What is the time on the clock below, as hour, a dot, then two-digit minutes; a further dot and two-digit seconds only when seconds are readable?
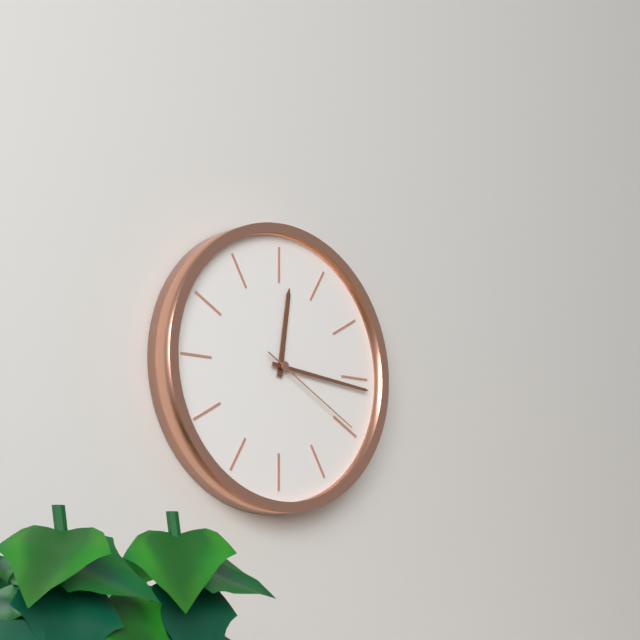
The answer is 12.16.20
